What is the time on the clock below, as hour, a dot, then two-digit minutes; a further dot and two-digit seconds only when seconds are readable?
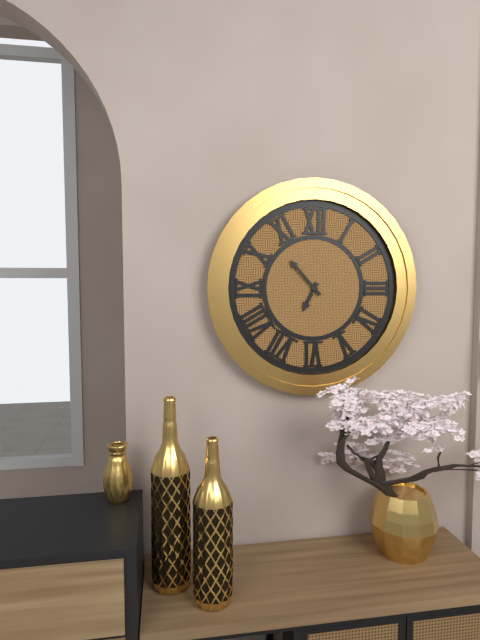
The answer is 6.53
